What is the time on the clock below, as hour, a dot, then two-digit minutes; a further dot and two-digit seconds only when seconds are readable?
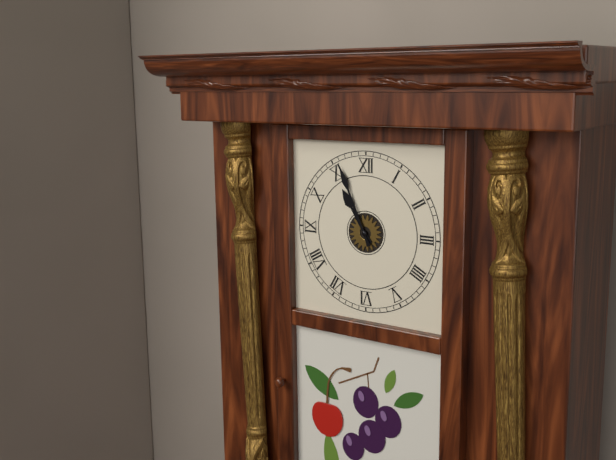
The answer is 10.56
